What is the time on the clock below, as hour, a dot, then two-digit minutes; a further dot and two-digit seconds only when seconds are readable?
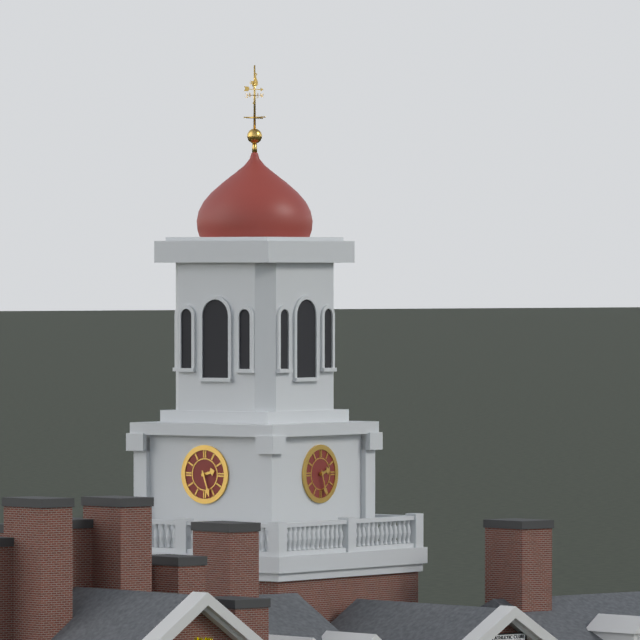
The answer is 2.27
